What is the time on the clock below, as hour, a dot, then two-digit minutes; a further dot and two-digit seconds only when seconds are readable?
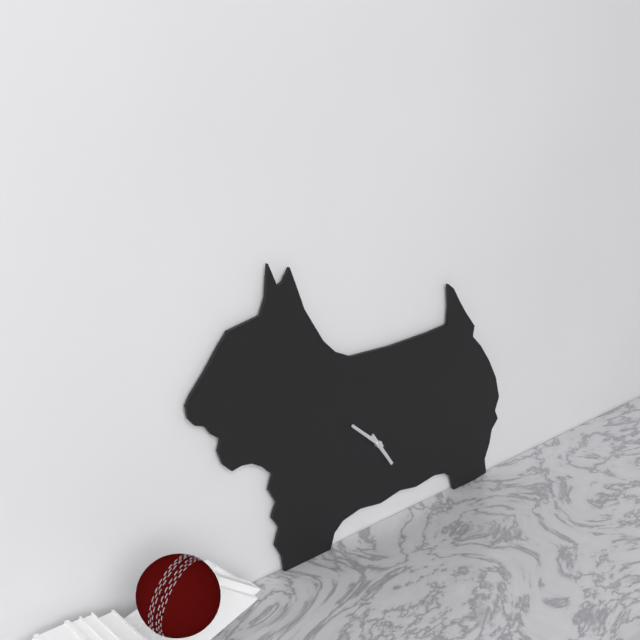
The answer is 4.52
